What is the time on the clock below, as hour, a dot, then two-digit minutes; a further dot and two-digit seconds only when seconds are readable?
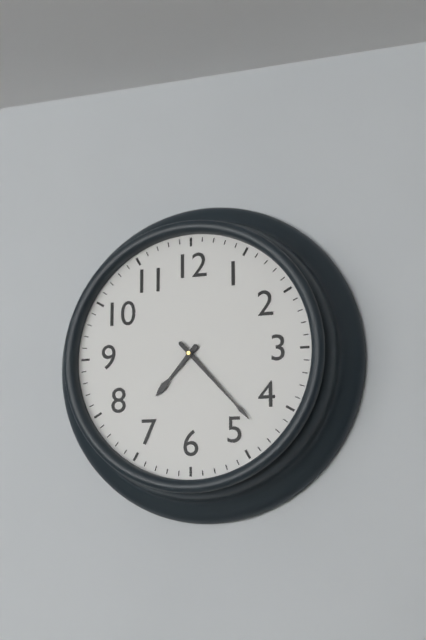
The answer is 7.23
